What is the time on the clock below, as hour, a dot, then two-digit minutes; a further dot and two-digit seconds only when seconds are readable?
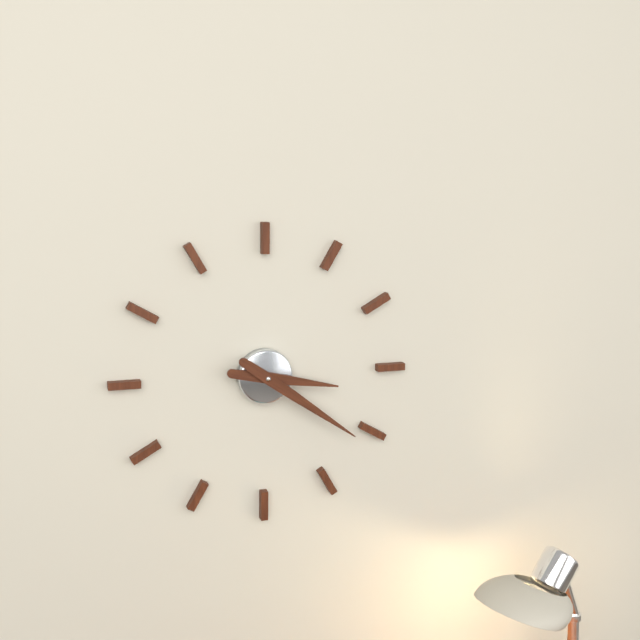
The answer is 3.21
